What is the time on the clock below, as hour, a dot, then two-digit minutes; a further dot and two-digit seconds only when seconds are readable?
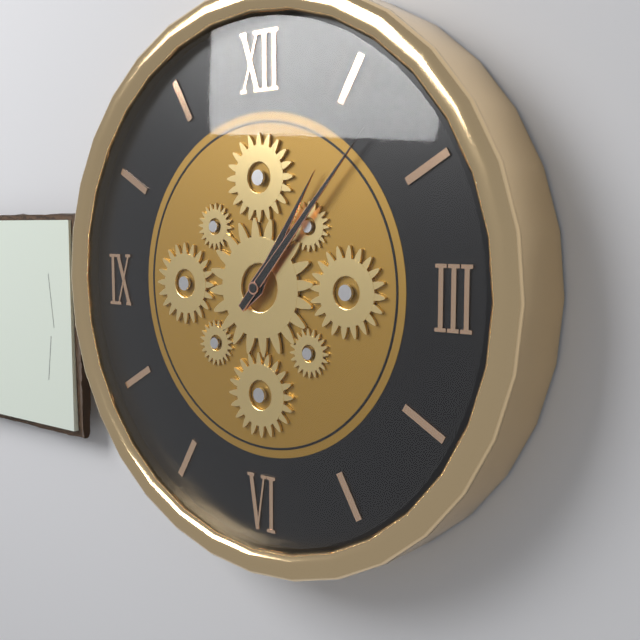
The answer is 1.07
